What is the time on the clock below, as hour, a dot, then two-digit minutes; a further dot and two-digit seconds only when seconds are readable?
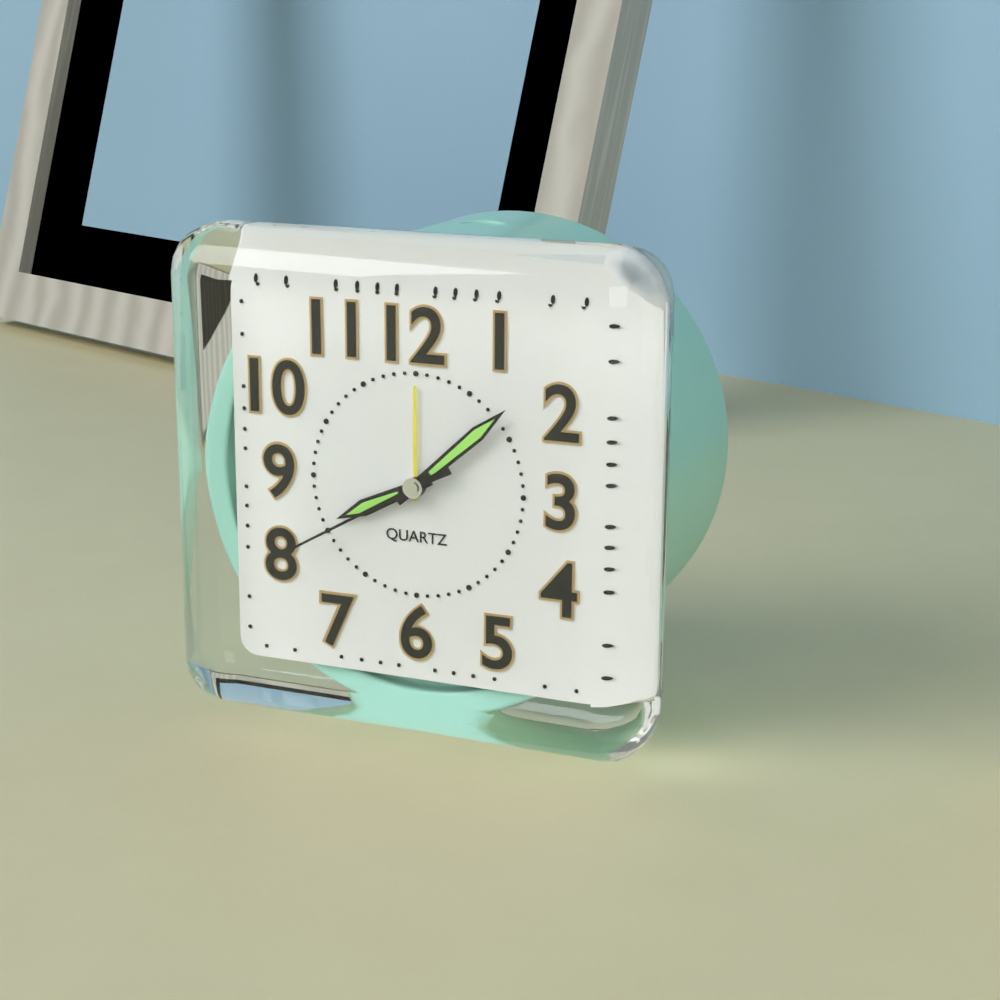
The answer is 8.08.40
